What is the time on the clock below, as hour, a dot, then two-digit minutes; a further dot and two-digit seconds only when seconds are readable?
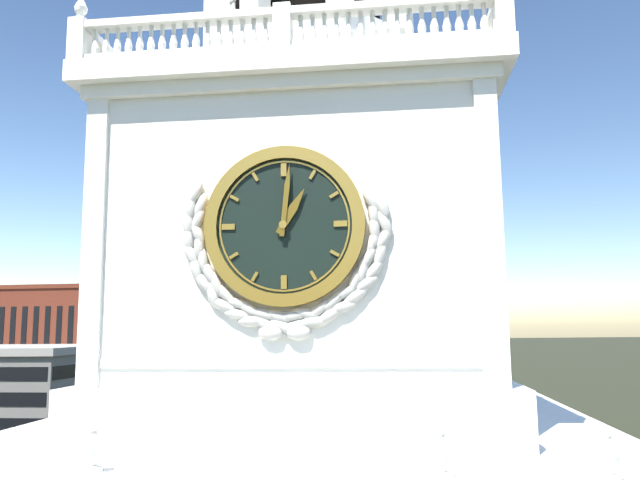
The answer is 1.01
